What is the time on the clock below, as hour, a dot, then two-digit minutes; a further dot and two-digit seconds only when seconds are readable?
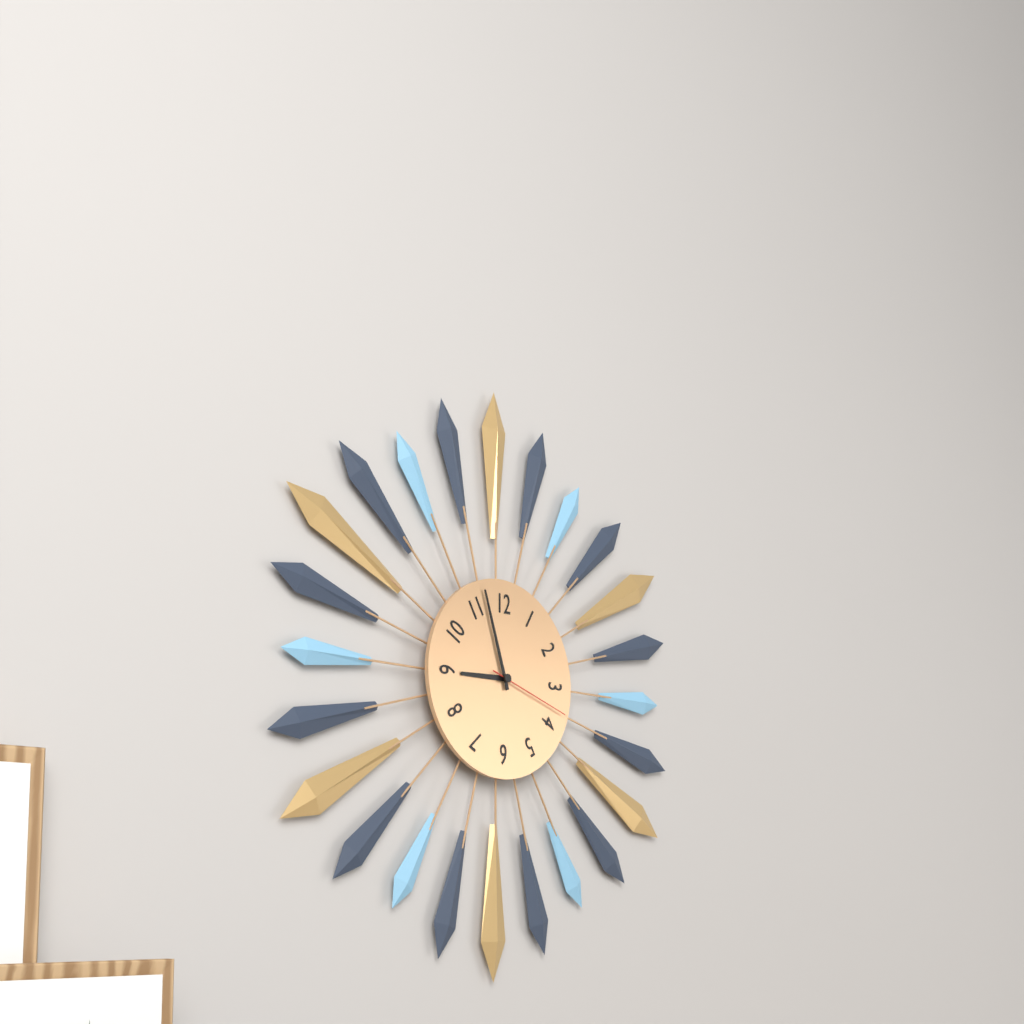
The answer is 8.57.18
